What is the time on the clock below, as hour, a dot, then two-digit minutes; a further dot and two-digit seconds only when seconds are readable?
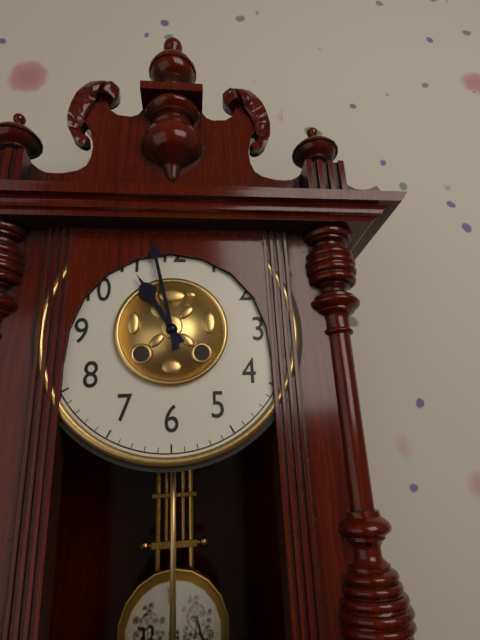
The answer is 10.58
